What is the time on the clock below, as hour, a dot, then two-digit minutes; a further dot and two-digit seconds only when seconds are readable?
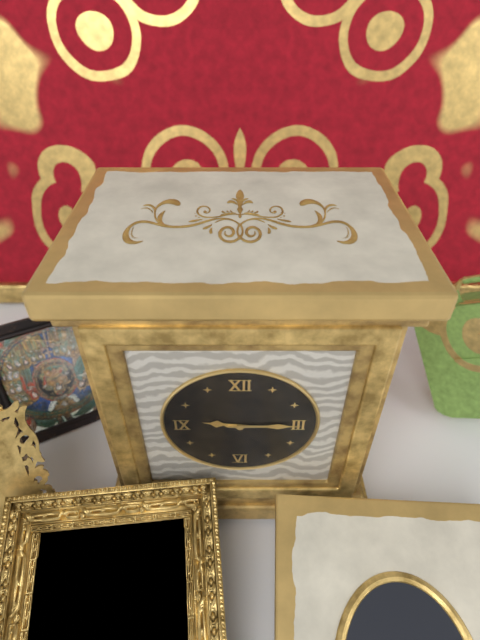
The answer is 9.15
